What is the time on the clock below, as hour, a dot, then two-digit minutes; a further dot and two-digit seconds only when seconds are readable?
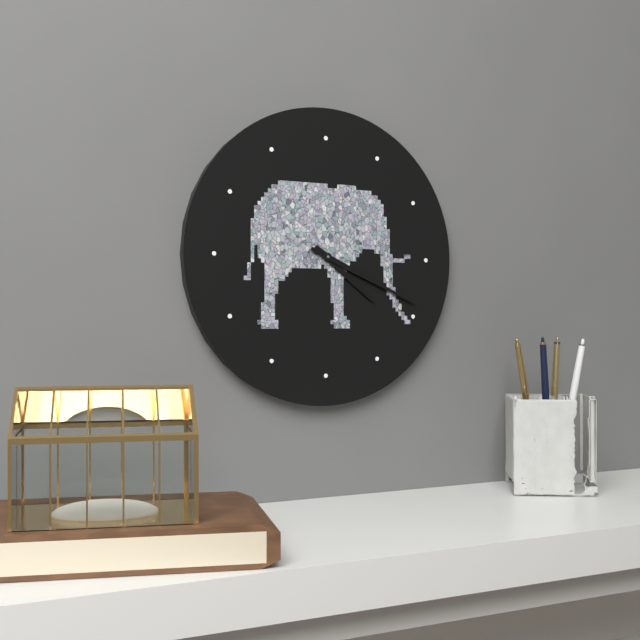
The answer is 4.19
